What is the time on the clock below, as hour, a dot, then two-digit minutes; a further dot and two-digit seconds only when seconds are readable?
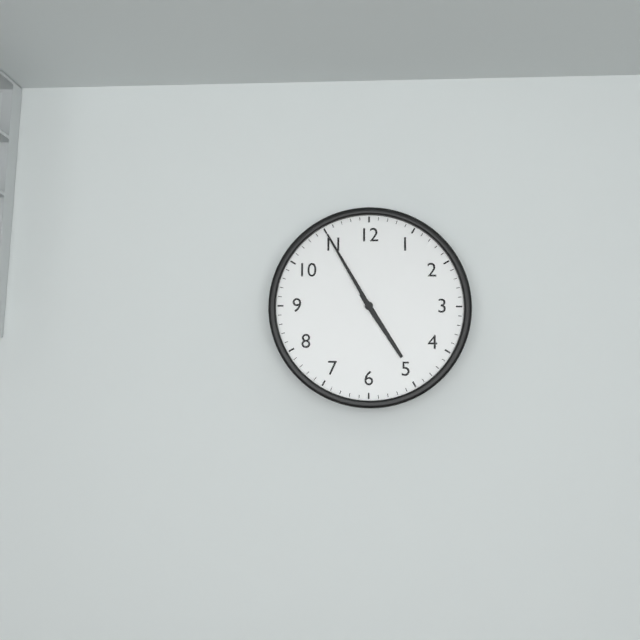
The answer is 4.55
